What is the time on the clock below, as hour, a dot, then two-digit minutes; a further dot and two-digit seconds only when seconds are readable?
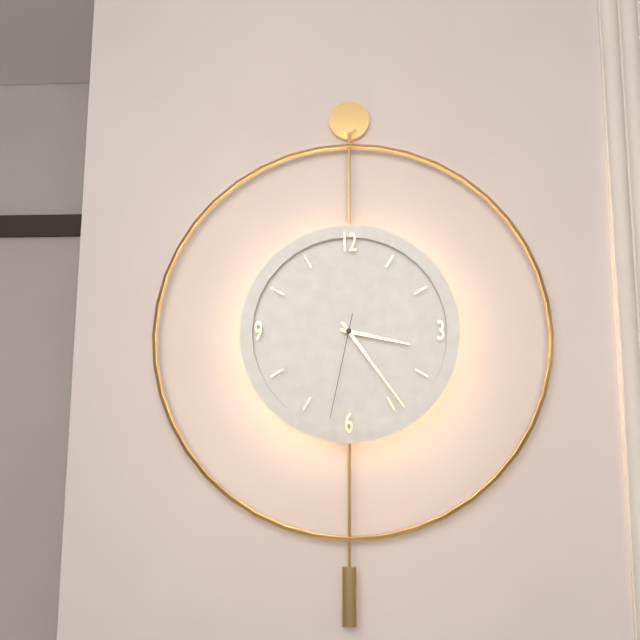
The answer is 3.24.32
